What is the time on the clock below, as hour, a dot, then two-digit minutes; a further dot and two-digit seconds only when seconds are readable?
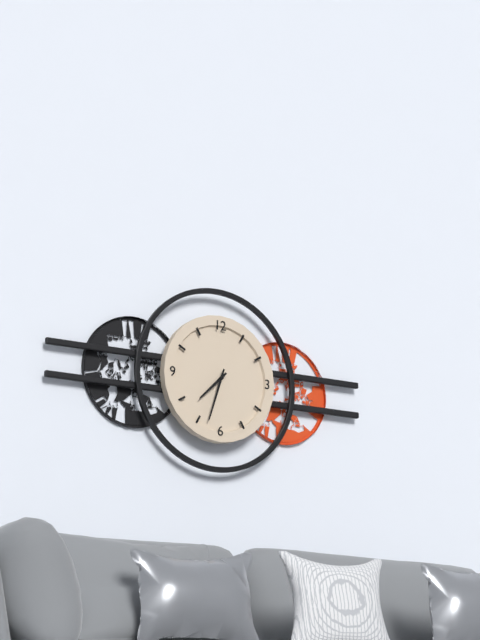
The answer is 7.33
